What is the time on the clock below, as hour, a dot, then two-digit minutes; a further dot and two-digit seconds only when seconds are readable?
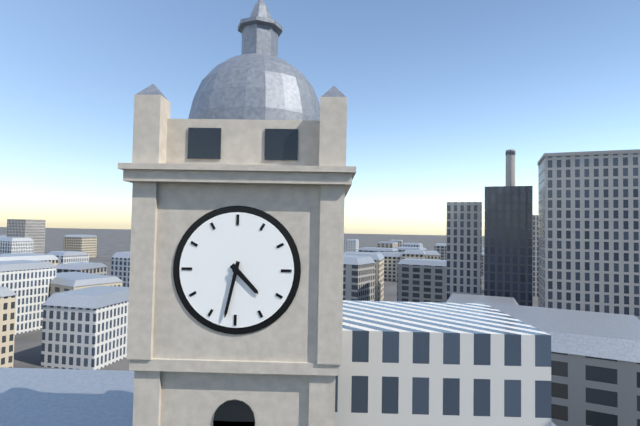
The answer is 4.32
